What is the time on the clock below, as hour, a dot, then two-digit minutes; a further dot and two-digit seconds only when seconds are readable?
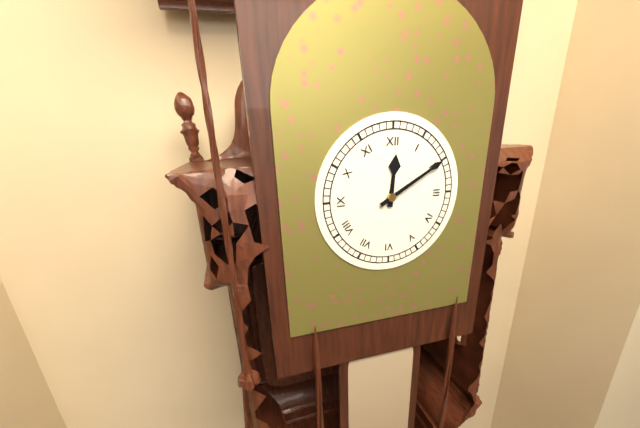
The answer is 12.10
